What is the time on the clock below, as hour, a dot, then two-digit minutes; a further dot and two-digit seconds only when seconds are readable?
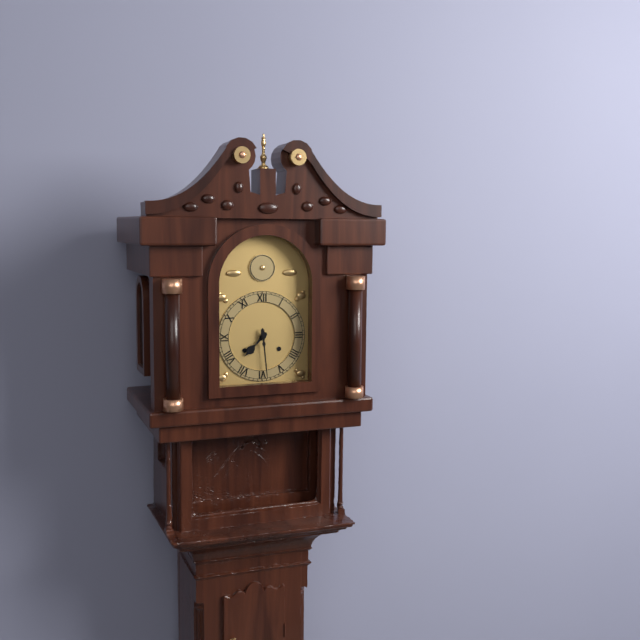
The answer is 7.29
